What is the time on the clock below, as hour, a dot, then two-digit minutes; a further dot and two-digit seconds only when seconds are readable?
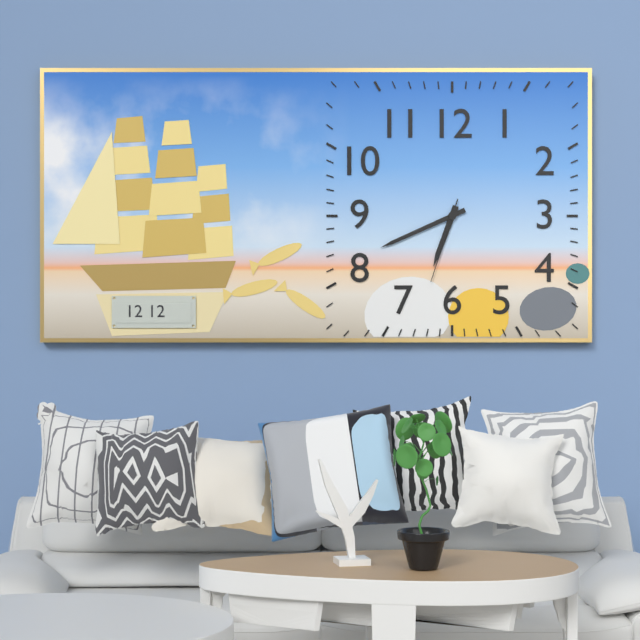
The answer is 6.41.33
